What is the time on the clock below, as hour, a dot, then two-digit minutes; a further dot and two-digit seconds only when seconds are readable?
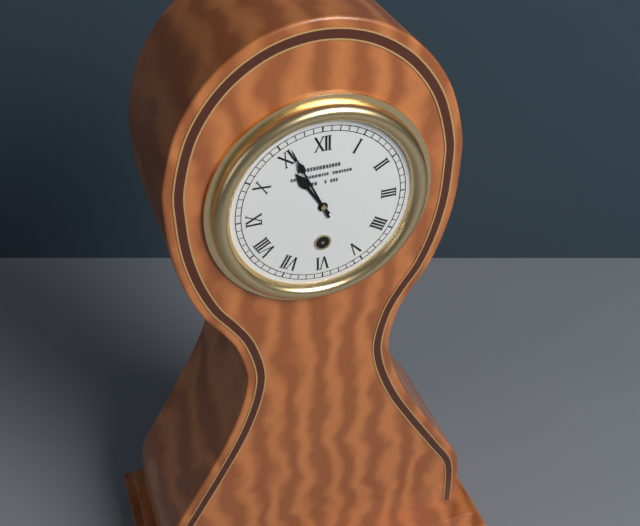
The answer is 10.56
